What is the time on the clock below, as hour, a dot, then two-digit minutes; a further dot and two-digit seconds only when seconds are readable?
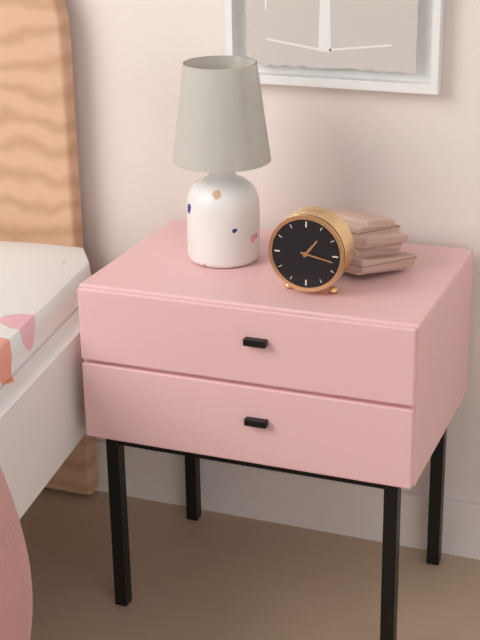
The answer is 1.17
